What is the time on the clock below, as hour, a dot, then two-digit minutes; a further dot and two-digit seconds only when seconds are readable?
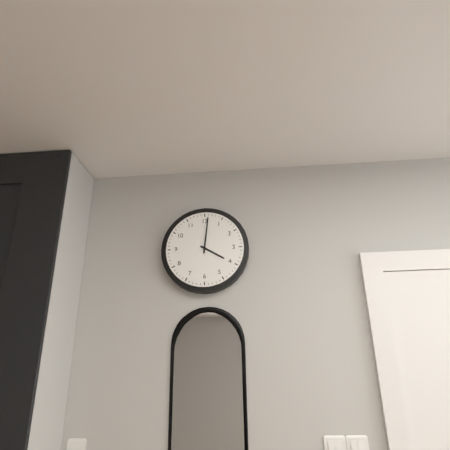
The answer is 4.01
